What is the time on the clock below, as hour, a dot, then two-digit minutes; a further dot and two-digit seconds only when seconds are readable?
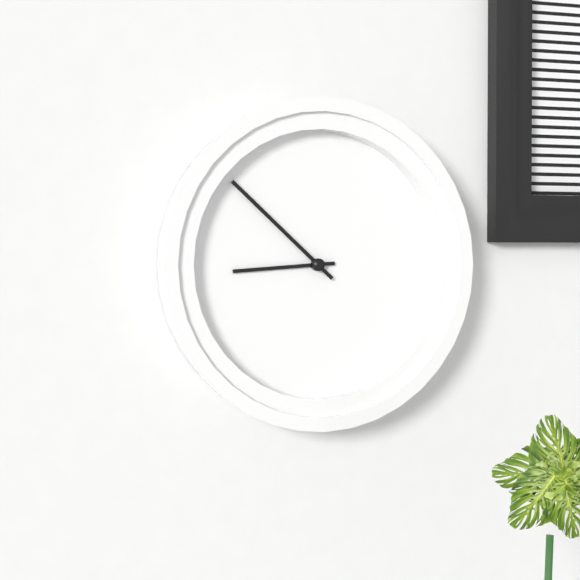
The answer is 8.52
